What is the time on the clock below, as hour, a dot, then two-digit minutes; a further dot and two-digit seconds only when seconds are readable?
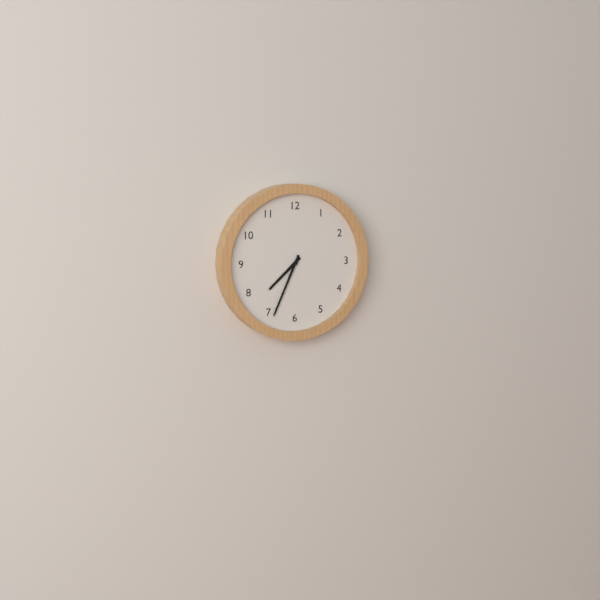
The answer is 7.34
